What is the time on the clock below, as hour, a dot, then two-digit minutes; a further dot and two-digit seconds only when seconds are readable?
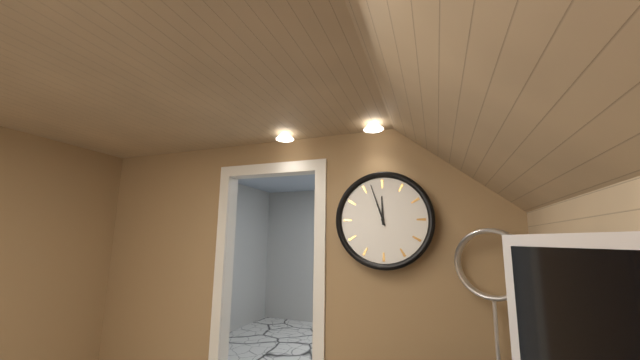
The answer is 11.57
